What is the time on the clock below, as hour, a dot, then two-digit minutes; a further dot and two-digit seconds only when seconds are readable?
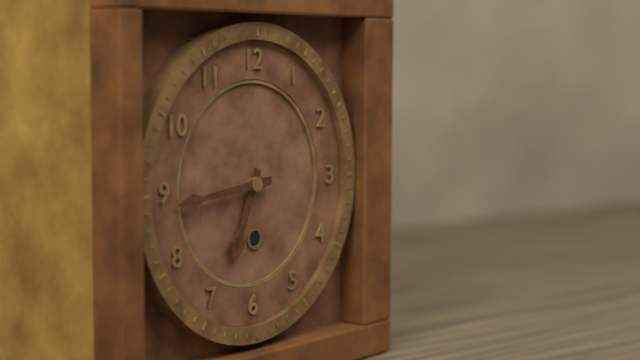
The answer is 6.44
